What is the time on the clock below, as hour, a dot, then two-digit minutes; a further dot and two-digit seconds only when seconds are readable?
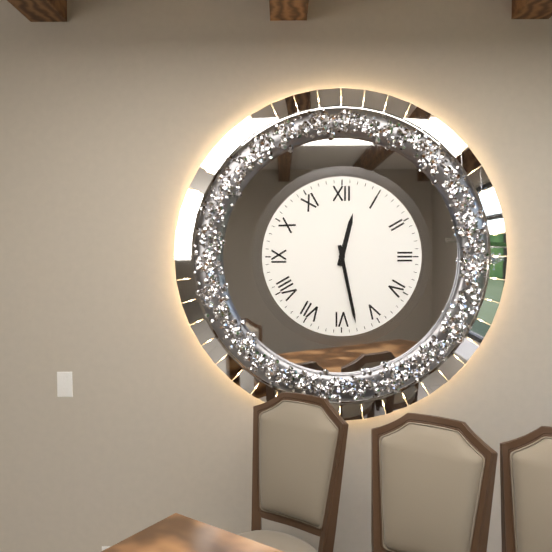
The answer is 12.28
